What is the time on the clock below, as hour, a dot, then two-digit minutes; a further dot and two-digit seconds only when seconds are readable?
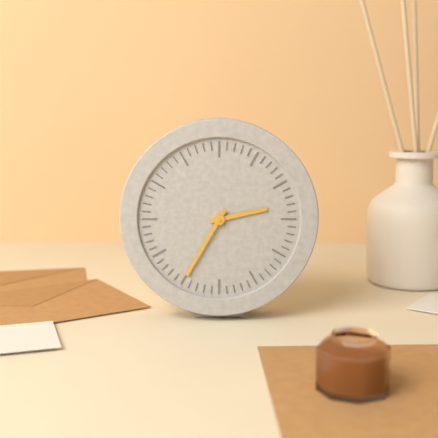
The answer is 2.35
